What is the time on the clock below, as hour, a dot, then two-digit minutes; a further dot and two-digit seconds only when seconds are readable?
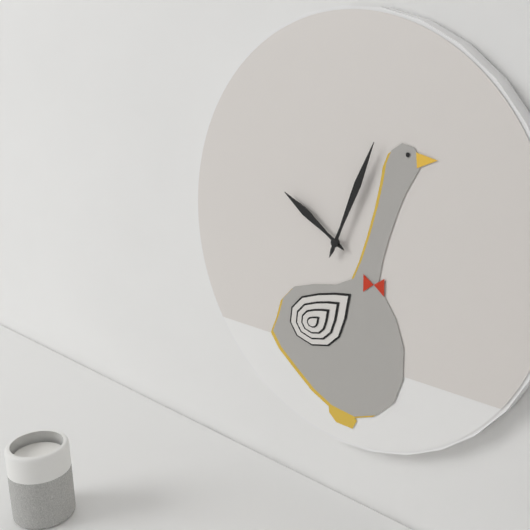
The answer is 10.04
